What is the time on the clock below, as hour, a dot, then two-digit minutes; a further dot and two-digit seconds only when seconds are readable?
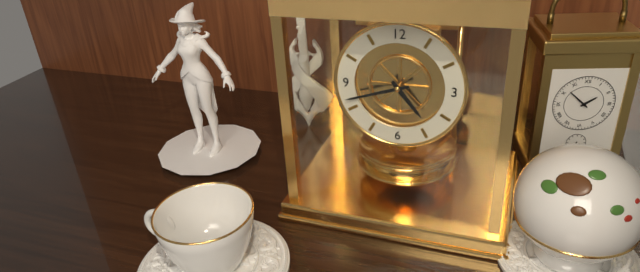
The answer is 4.42
